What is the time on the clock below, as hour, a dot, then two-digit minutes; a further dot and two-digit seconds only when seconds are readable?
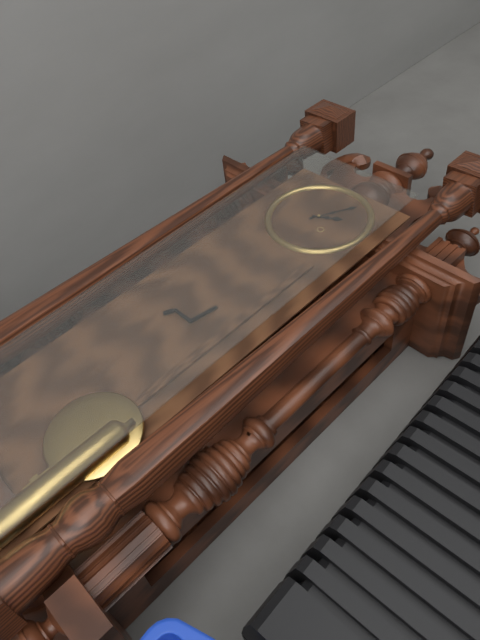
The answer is 2.05
